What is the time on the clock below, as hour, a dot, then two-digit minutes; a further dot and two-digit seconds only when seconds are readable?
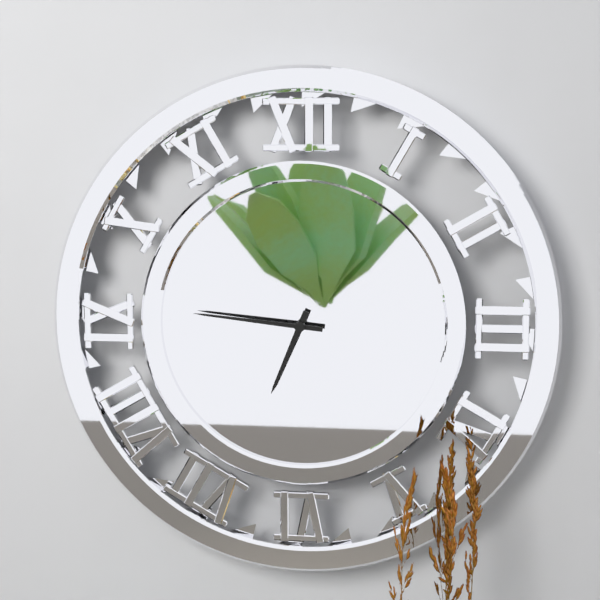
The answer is 6.46
